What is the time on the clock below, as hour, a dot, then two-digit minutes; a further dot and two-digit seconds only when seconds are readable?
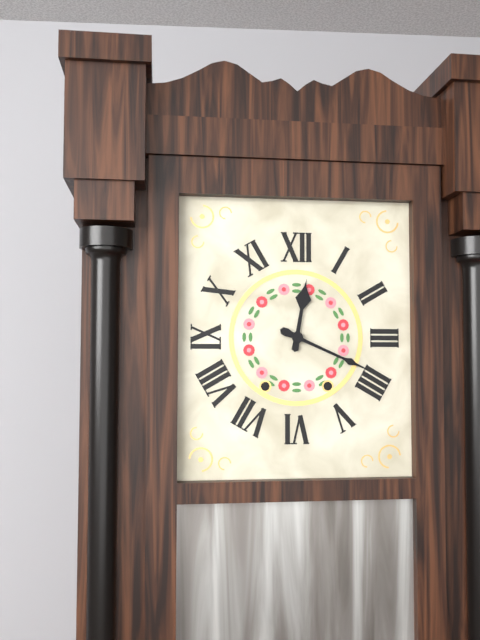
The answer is 12.19
